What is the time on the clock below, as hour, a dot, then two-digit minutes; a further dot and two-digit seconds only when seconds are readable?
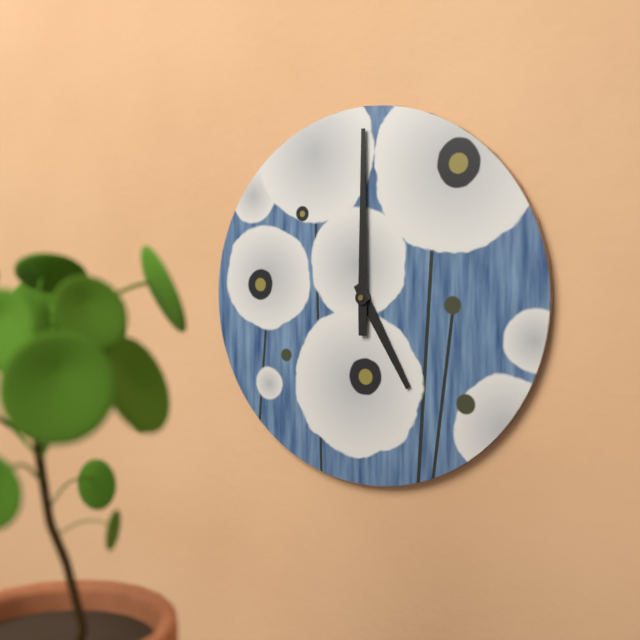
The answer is 5.00
